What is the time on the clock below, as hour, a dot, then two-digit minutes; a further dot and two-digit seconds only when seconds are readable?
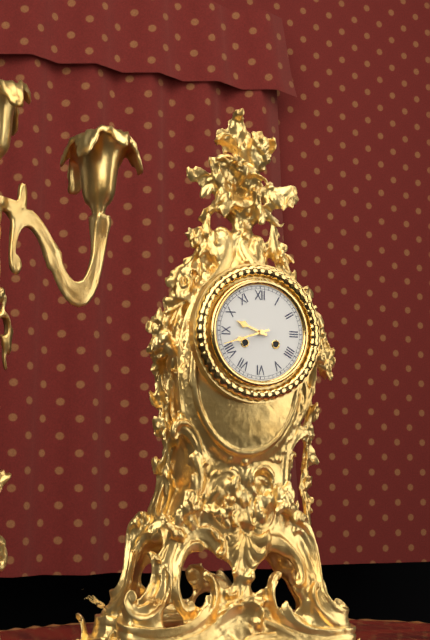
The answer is 9.42
